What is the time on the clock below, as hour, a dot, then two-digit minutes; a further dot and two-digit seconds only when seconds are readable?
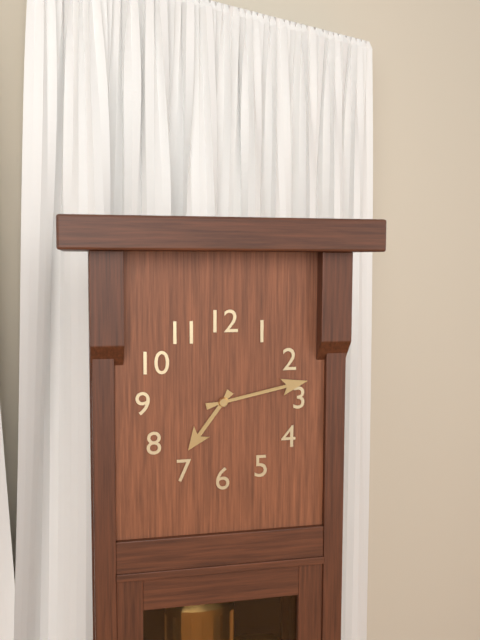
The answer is 7.13
